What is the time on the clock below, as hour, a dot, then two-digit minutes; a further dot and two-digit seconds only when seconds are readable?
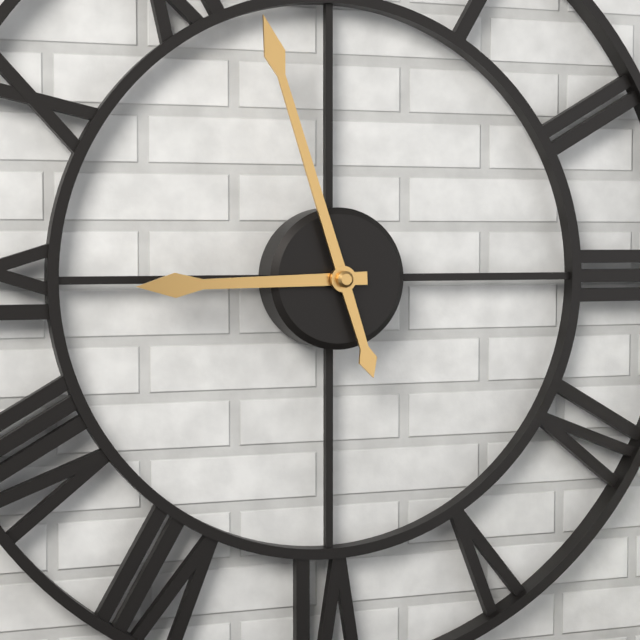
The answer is 8.57
